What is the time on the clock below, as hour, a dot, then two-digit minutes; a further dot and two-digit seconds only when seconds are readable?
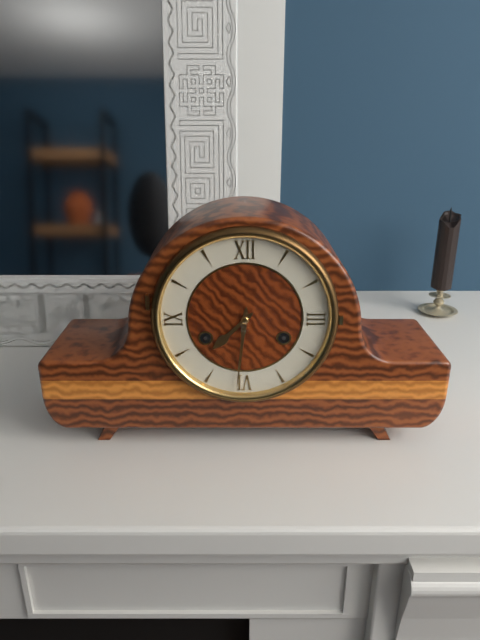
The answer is 7.31
